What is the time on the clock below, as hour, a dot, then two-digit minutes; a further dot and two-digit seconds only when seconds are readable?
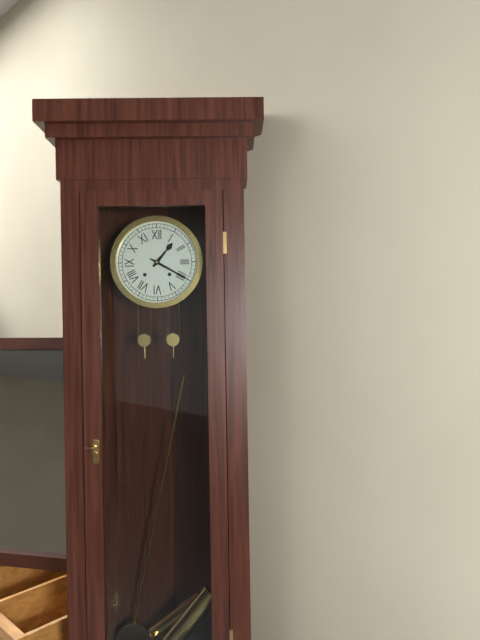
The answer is 1.20
